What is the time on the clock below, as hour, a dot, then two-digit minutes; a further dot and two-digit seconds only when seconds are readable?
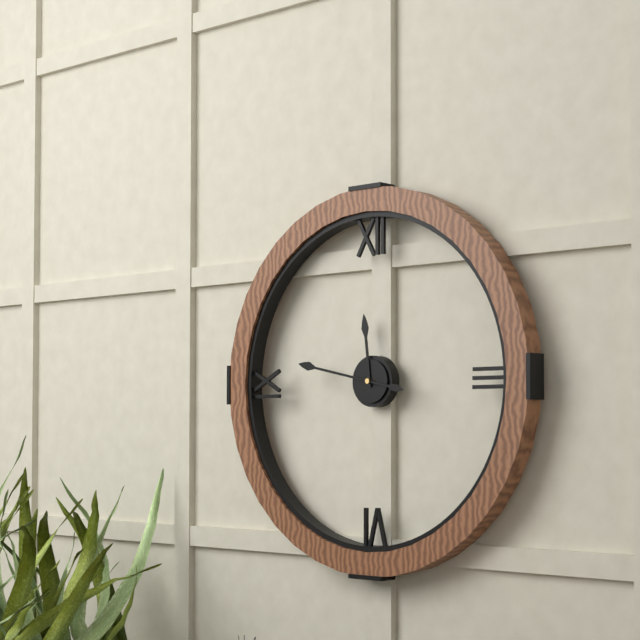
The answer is 11.47
